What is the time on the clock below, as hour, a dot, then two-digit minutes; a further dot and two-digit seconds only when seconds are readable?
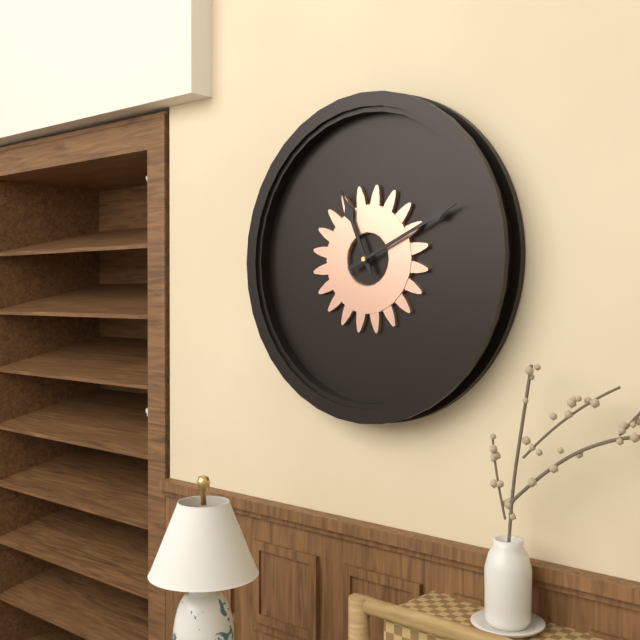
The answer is 11.11
